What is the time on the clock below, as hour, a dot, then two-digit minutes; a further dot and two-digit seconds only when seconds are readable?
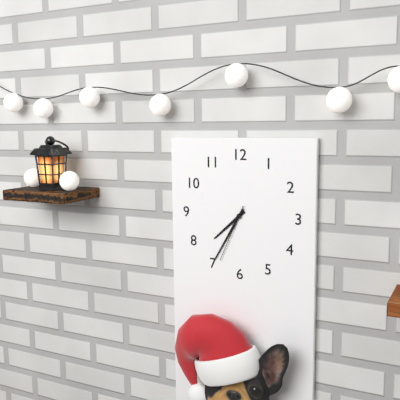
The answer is 7.35.34
